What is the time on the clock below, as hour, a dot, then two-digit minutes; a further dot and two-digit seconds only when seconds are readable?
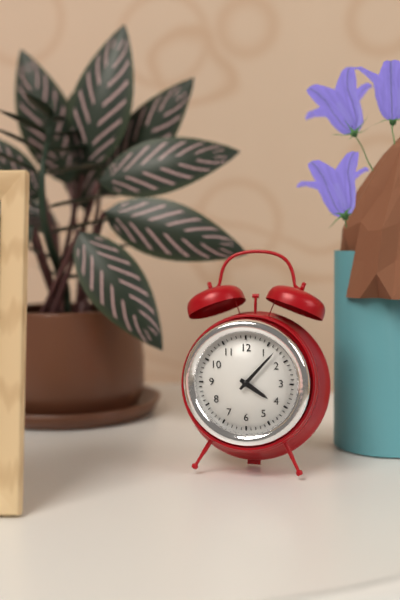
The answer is 4.07
